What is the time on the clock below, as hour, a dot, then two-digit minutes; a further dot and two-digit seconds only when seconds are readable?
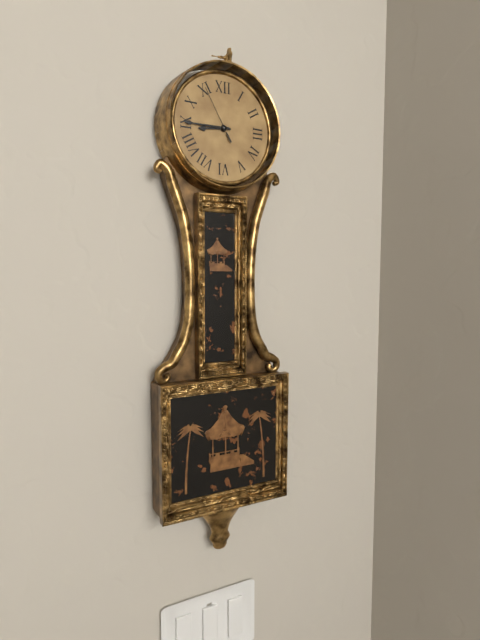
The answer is 8.45.55
